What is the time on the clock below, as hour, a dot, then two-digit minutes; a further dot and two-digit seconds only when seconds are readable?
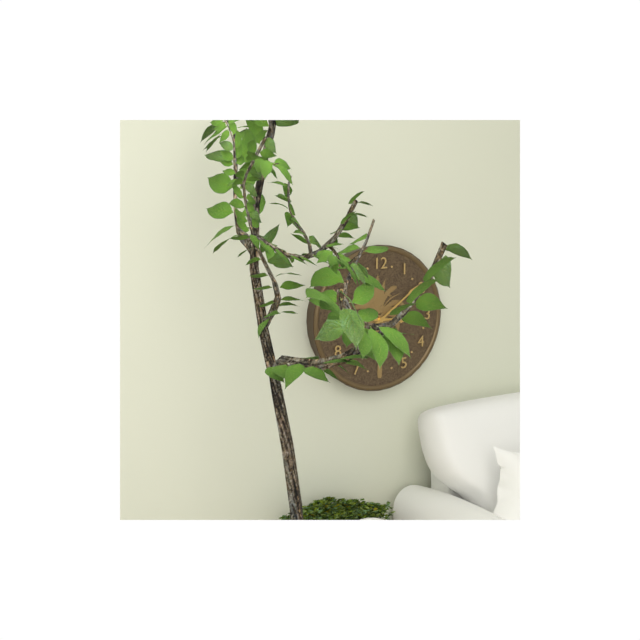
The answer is 3.09
